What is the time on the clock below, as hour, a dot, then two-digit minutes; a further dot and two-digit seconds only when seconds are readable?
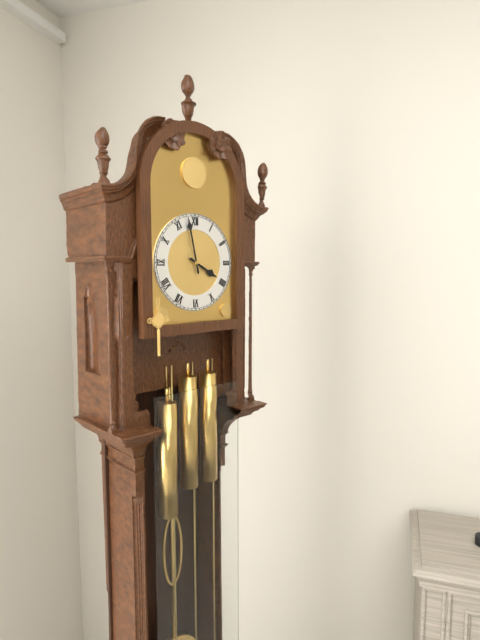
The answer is 3.58
